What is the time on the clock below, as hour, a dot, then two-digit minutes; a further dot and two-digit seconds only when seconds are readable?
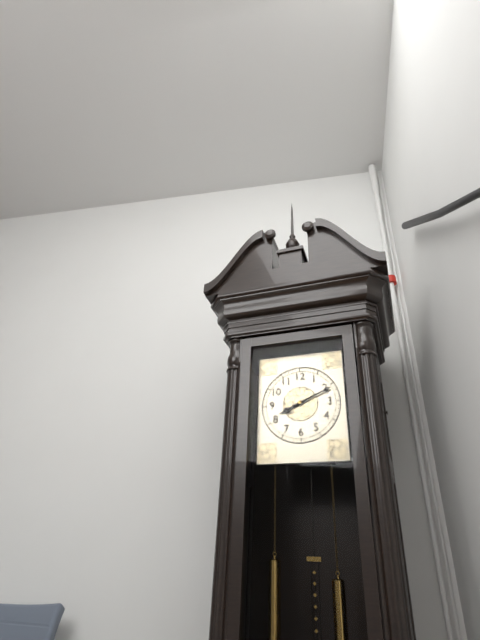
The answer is 8.11
